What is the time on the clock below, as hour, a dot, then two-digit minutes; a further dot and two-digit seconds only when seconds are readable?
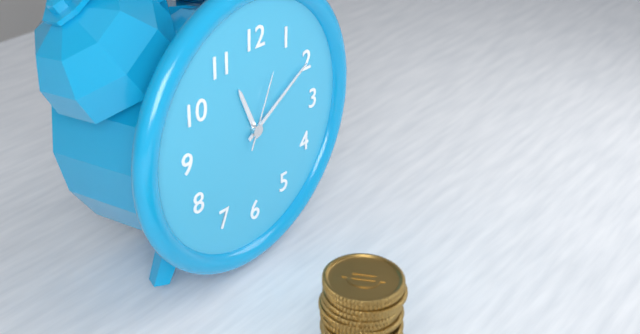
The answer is 11.10.04
